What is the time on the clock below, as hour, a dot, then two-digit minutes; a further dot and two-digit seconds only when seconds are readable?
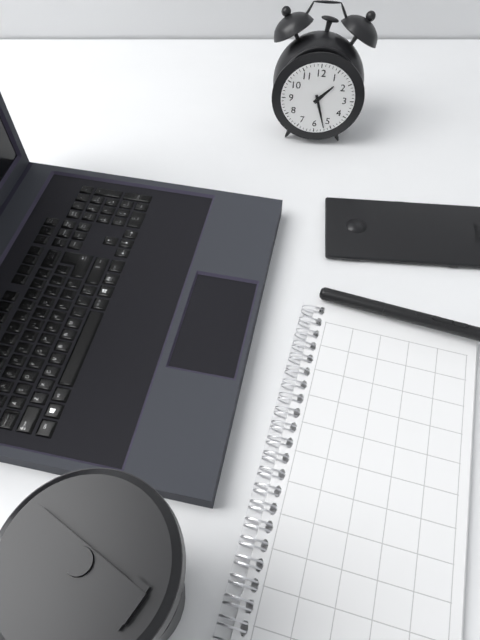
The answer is 1.27
